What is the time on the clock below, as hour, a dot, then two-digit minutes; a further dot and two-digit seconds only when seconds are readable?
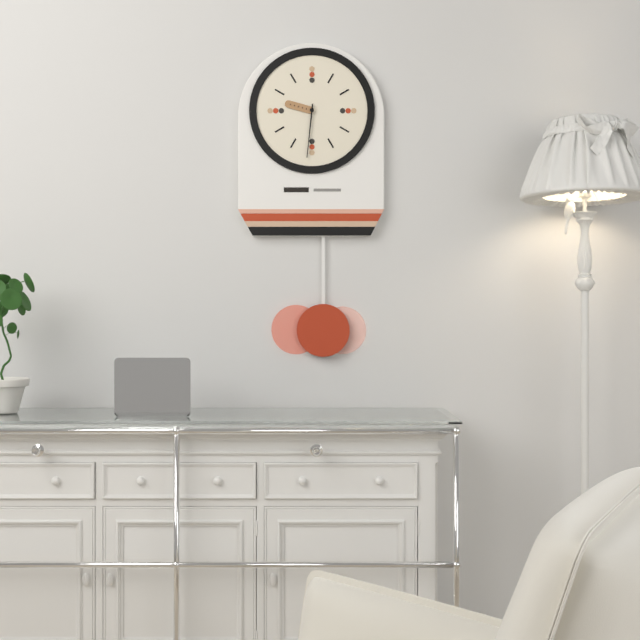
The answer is 9.31
